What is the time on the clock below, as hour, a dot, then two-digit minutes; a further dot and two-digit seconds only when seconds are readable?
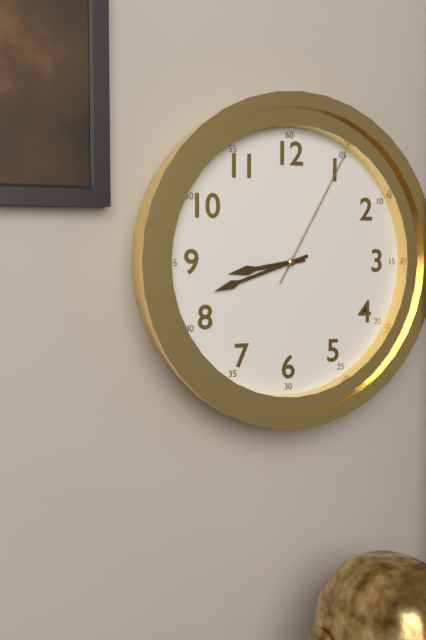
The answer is 8.42.05
